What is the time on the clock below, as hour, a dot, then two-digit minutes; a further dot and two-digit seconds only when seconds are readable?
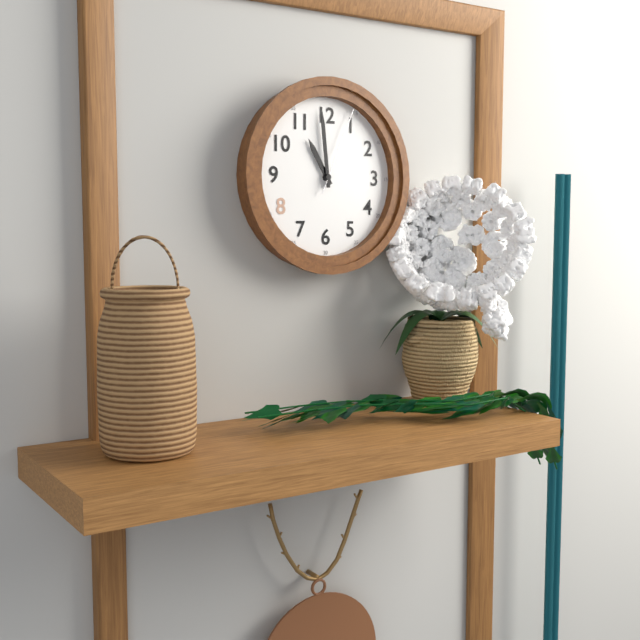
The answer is 10.59.04
